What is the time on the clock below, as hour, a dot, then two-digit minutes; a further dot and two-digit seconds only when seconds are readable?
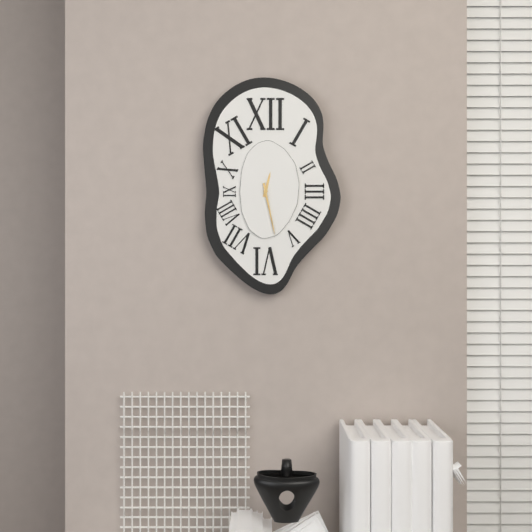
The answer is 12.28
